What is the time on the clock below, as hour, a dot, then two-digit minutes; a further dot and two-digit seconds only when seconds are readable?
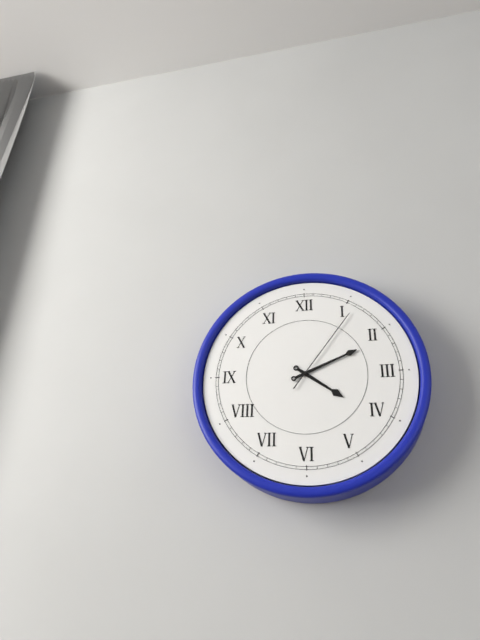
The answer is 4.11.06
